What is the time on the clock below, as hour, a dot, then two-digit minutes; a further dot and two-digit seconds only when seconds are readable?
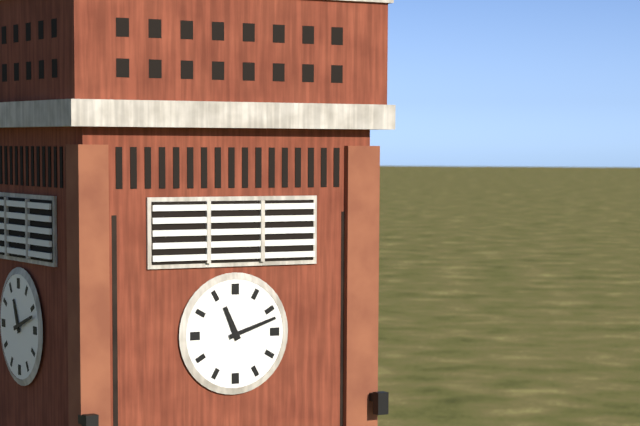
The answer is 11.12
